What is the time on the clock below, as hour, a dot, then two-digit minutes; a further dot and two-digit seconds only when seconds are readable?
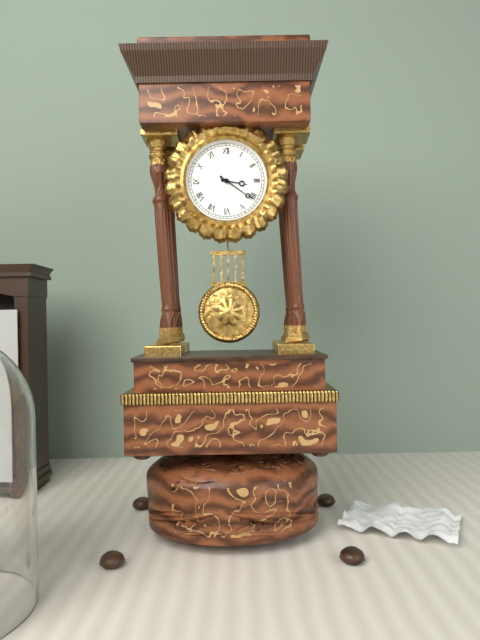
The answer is 3.21
